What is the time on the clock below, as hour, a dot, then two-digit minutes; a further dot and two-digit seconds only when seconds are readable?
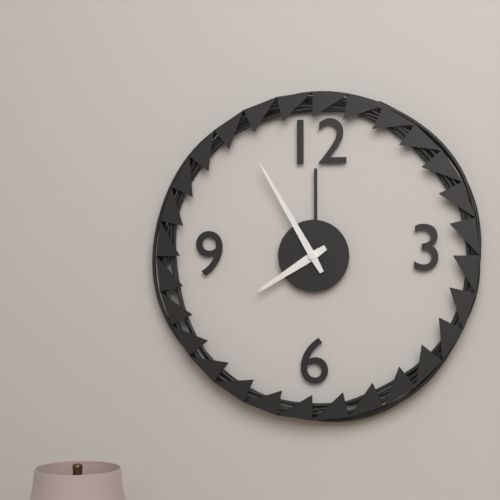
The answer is 7.55
